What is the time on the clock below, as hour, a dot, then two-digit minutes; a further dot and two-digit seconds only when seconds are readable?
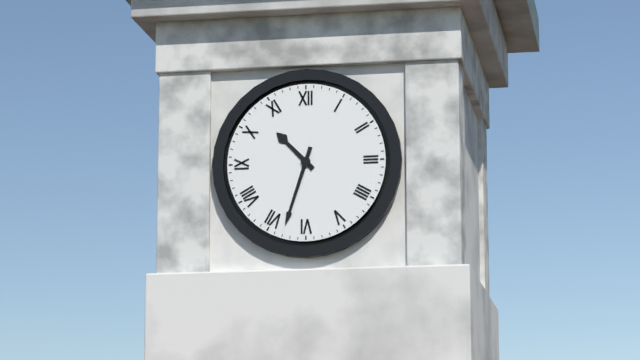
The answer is 10.33
